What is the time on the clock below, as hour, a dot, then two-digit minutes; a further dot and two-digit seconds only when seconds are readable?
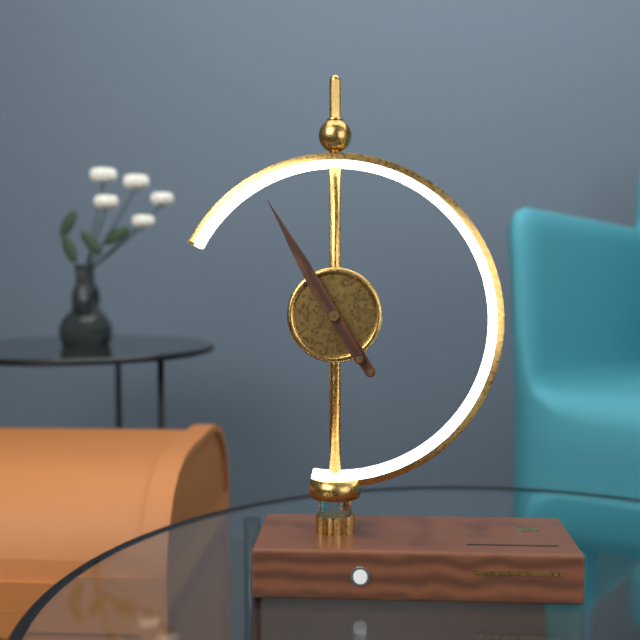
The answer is 10.55
